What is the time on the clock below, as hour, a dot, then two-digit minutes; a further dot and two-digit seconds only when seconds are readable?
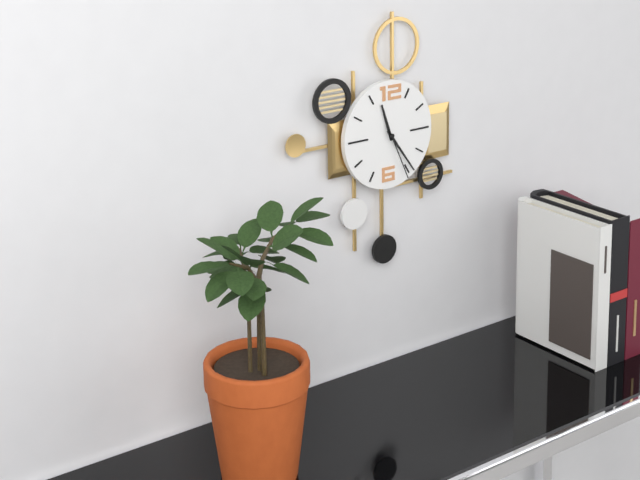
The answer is 11.24.26
